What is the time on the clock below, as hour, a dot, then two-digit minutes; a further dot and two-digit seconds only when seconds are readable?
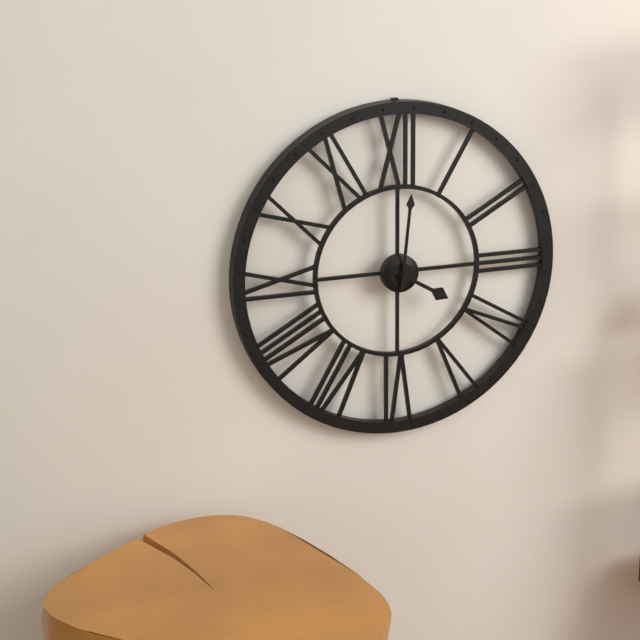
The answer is 4.01
